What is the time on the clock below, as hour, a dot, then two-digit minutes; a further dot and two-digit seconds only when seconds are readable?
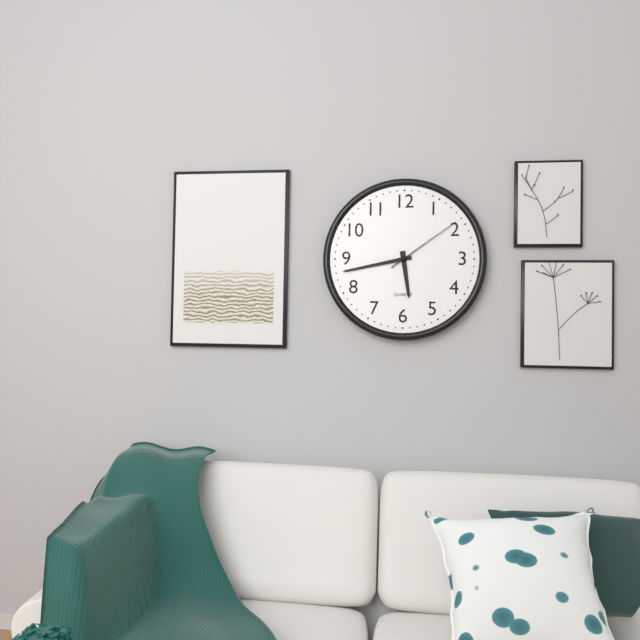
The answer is 5.43.09
